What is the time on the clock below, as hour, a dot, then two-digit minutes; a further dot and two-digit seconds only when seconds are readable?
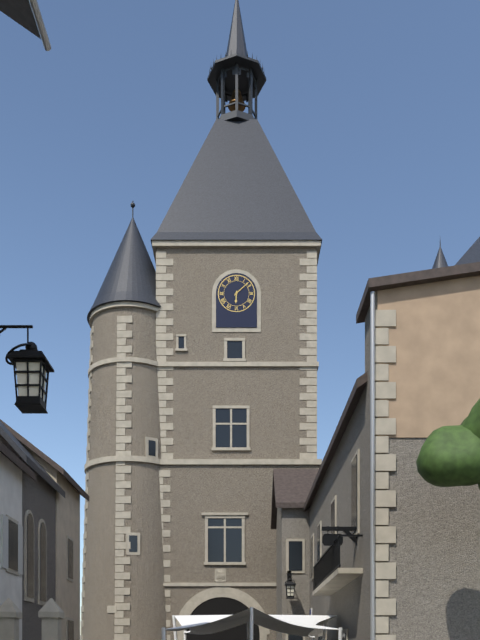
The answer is 6.08
